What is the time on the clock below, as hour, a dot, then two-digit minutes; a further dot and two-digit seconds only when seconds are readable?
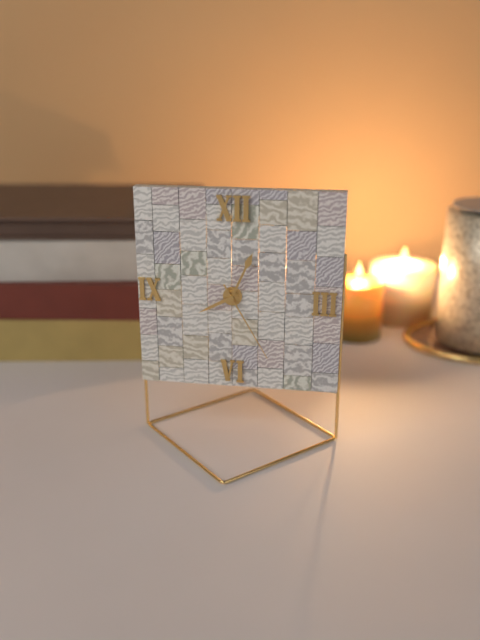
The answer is 8.04.25
